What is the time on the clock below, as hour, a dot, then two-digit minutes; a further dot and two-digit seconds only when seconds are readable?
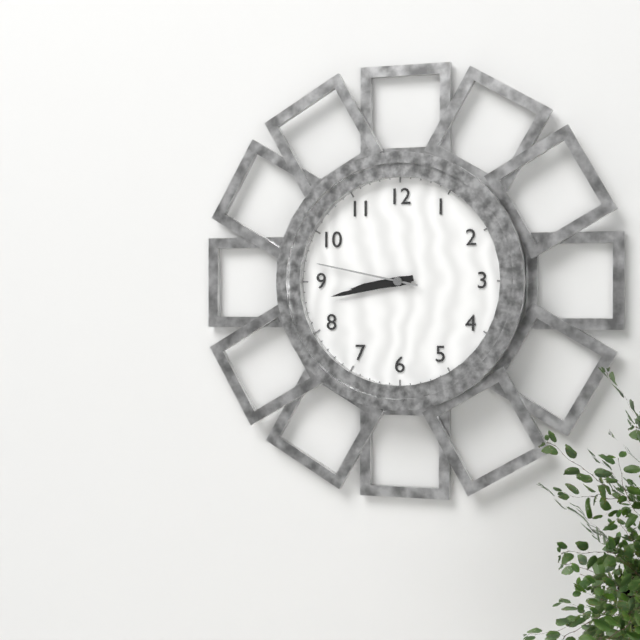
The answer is 8.43.47
